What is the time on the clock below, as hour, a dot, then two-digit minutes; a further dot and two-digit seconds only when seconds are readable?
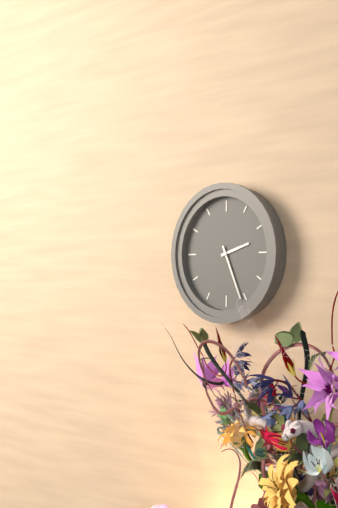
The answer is 2.26
